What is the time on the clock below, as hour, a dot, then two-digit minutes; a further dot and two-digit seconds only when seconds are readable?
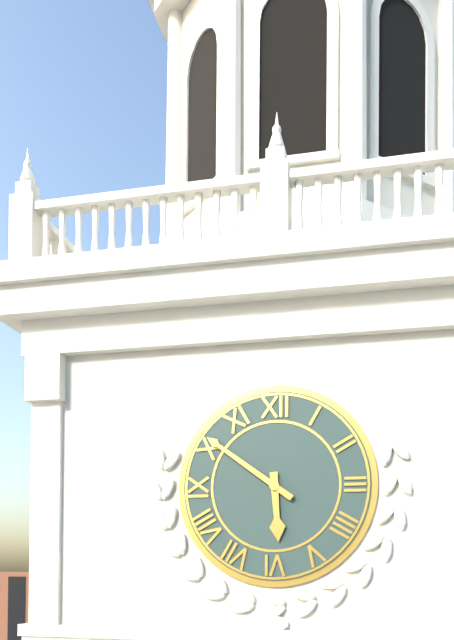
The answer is 5.51
